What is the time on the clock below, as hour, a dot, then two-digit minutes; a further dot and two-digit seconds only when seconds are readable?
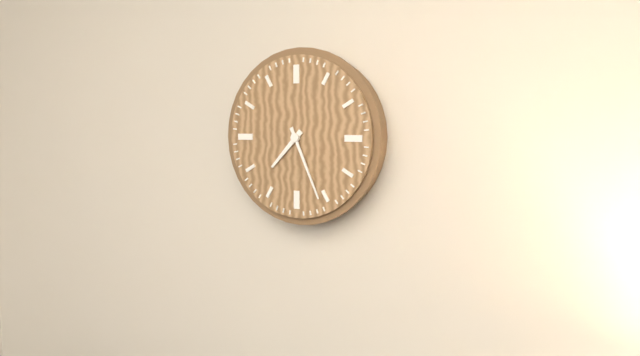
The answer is 7.26
